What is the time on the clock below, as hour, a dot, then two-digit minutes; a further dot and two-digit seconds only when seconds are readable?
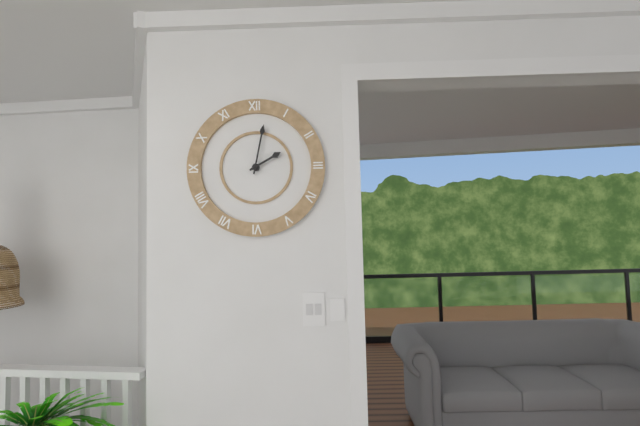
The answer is 2.02
